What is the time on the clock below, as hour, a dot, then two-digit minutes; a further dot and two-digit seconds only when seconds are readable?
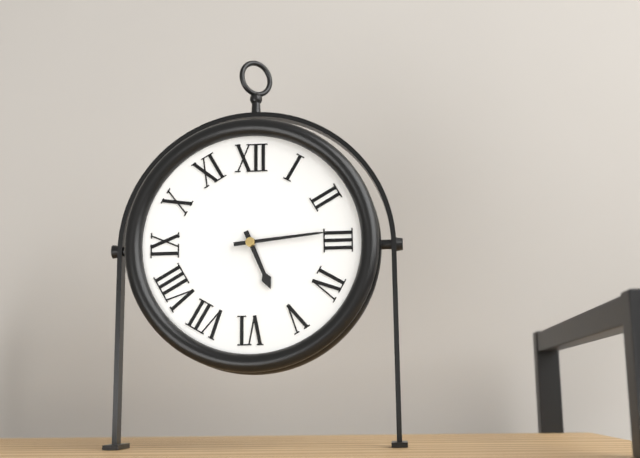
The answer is 5.14
